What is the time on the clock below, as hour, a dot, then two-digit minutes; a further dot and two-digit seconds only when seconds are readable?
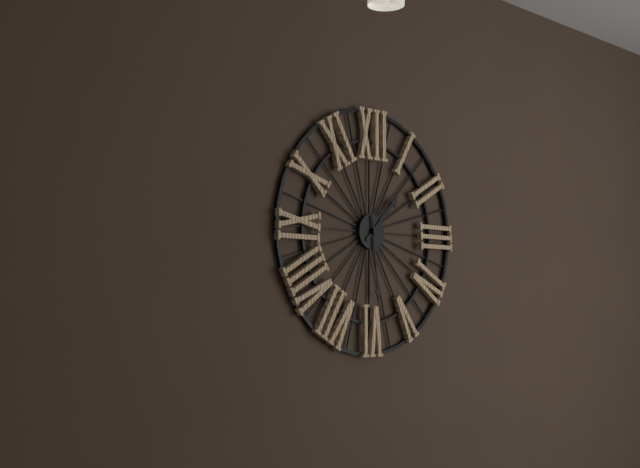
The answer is 1.29
